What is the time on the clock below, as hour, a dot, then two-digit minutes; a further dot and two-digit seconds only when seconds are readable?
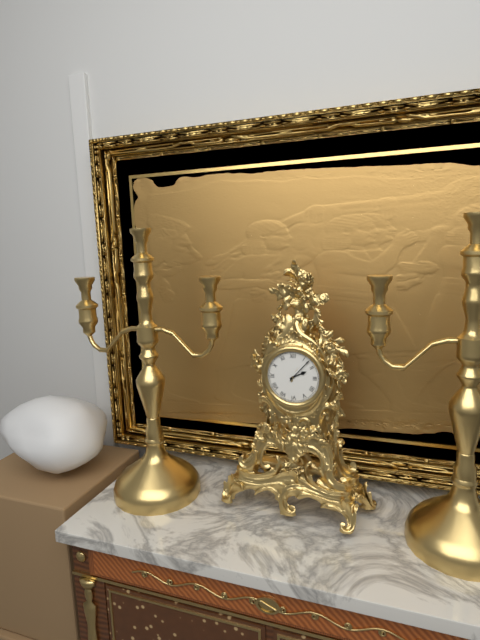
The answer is 2.07
